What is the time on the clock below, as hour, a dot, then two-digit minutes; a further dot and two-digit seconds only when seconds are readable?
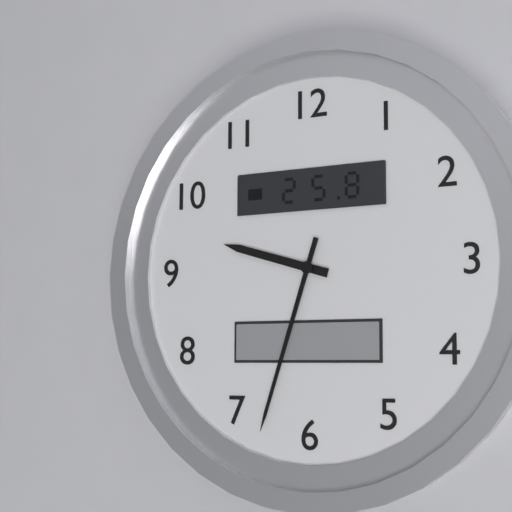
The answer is 9.33
